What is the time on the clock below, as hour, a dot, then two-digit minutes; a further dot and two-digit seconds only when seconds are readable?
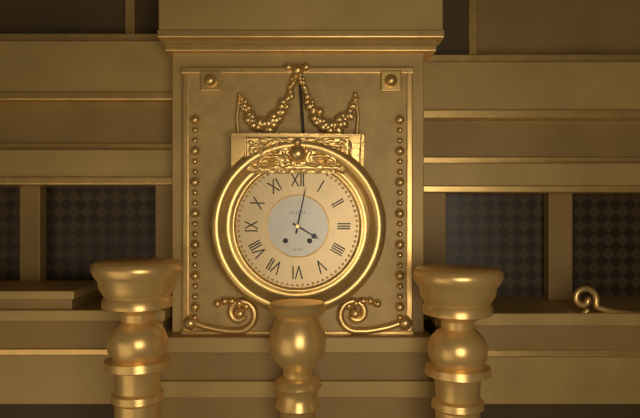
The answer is 4.02
